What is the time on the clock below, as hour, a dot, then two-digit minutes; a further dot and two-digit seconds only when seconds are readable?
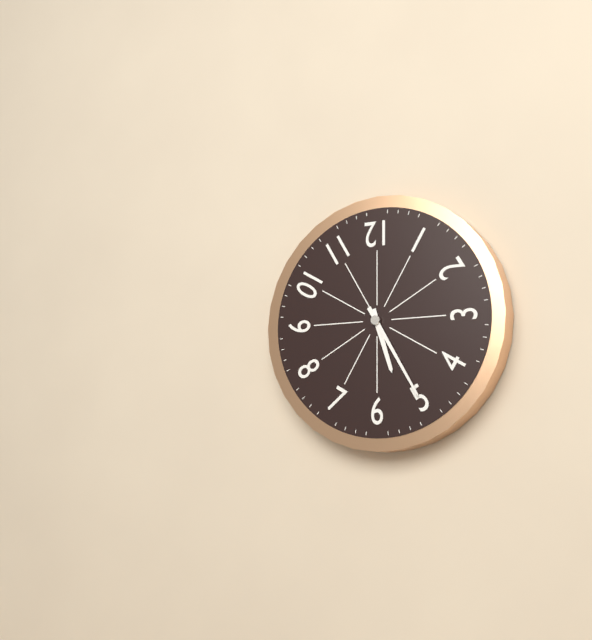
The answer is 5.25
